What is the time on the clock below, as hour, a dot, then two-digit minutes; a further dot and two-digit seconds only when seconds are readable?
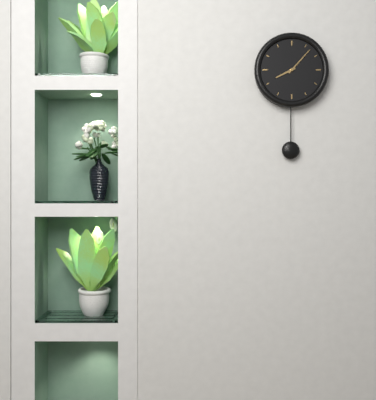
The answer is 8.07
